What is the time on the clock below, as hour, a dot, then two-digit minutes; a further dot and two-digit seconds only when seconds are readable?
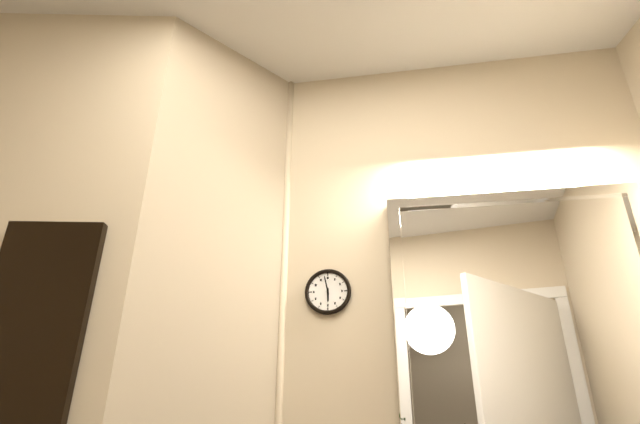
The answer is 5.58
